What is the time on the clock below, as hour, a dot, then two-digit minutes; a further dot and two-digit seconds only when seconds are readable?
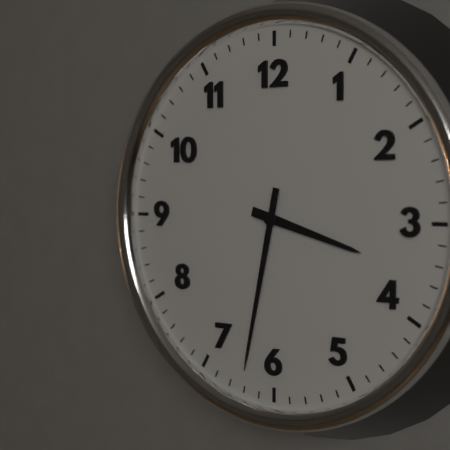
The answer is 3.32
